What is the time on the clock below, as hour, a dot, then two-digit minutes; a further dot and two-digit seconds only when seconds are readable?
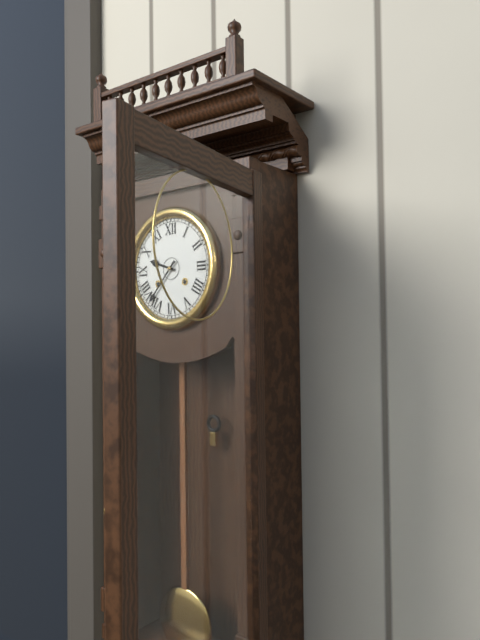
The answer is 9.37
